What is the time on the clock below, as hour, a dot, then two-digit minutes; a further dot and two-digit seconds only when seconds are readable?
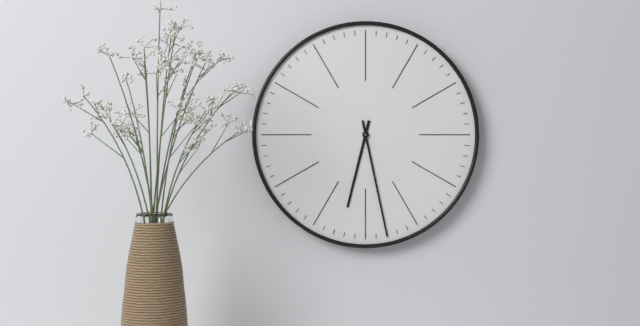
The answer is 6.28
